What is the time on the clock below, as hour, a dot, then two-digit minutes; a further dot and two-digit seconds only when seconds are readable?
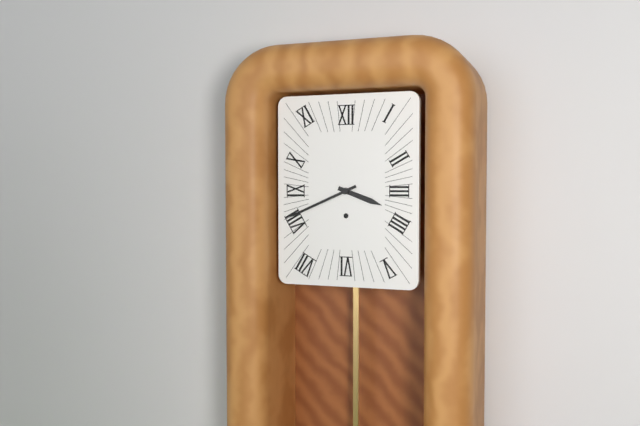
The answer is 3.41
